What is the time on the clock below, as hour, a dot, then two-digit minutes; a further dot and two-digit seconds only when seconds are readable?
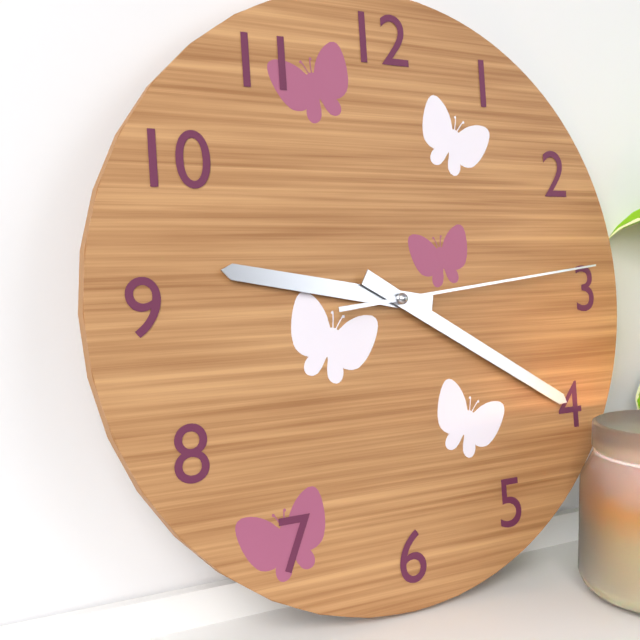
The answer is 9.20.14
